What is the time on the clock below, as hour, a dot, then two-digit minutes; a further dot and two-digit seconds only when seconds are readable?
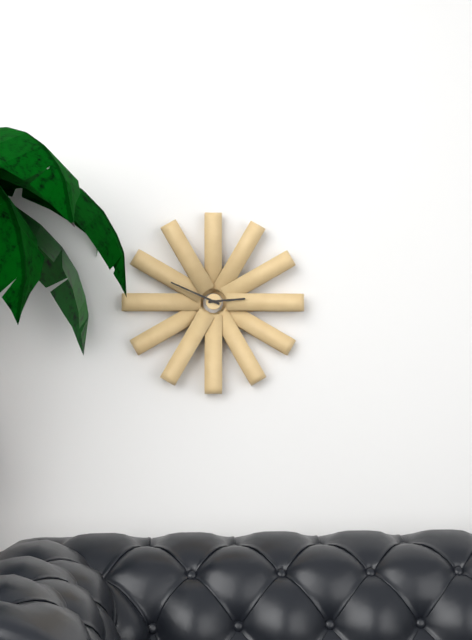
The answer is 2.49
